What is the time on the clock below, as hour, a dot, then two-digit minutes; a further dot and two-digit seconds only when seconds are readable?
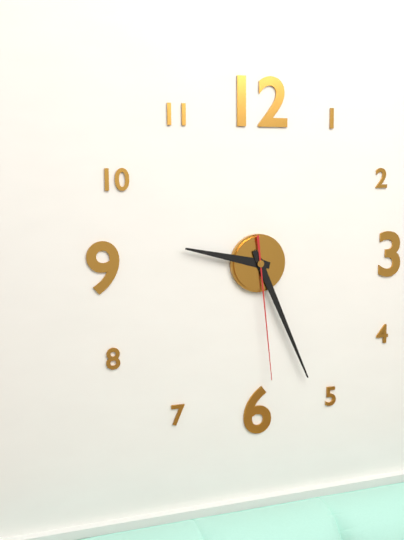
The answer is 9.26.29
